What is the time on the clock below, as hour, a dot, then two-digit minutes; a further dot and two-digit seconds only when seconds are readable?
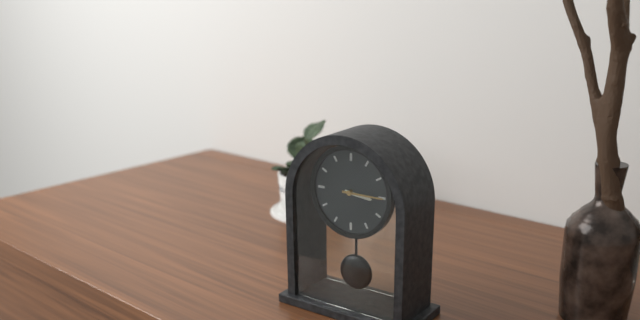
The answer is 3.15
